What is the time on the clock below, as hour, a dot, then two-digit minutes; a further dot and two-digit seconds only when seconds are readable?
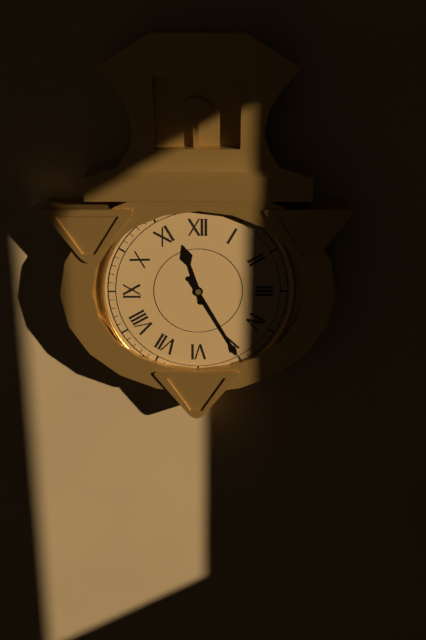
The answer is 11.25
